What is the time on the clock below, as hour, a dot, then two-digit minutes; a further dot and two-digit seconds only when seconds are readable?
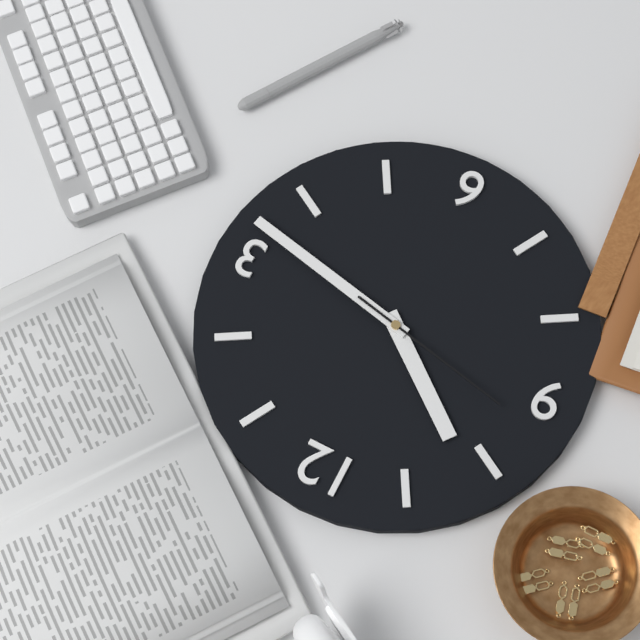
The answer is 10.17.47
